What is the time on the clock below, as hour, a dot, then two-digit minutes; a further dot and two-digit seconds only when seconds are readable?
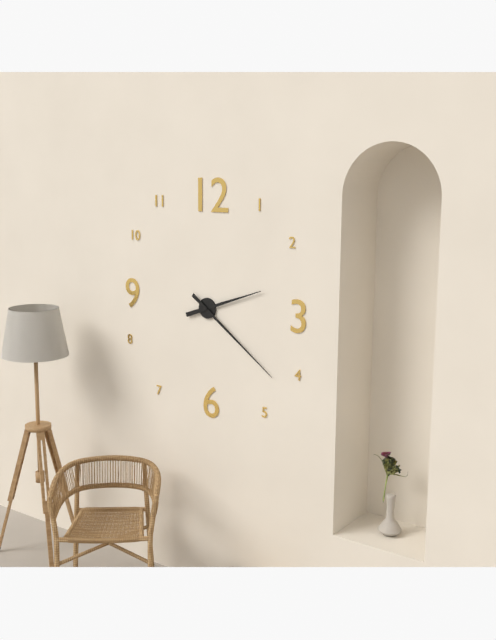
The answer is 2.21
